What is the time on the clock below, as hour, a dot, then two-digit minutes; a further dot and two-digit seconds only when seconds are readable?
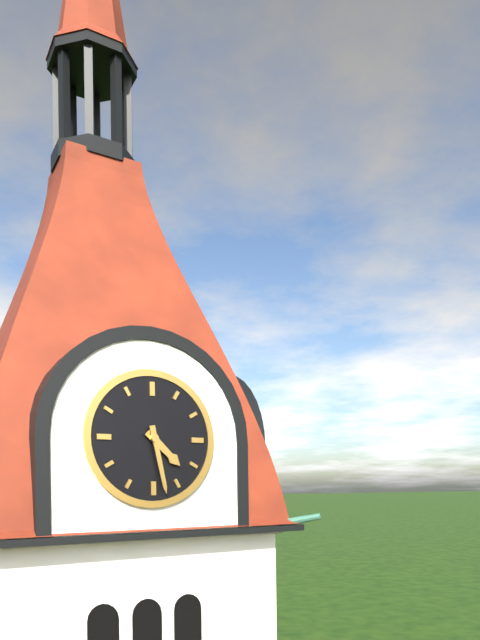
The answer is 4.28
